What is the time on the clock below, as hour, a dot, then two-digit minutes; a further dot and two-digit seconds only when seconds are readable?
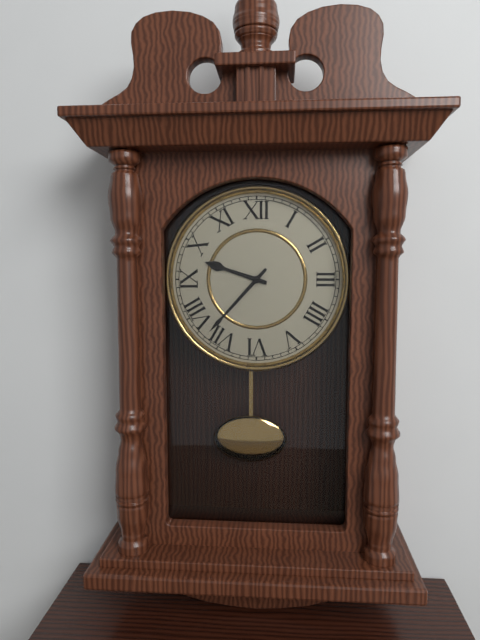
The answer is 9.37
